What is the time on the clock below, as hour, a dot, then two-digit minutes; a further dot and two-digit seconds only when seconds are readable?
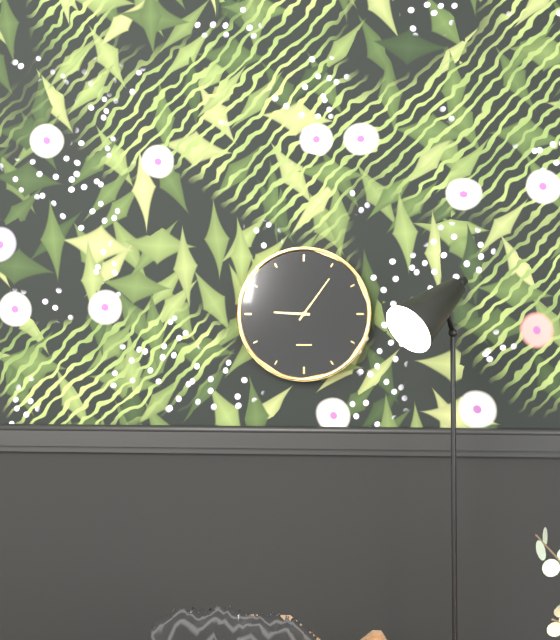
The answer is 9.06
